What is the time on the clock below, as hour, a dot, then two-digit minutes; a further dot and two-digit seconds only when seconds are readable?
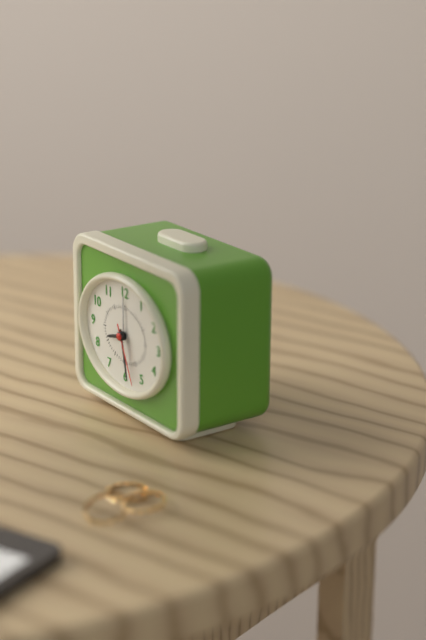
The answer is 8.28.26
